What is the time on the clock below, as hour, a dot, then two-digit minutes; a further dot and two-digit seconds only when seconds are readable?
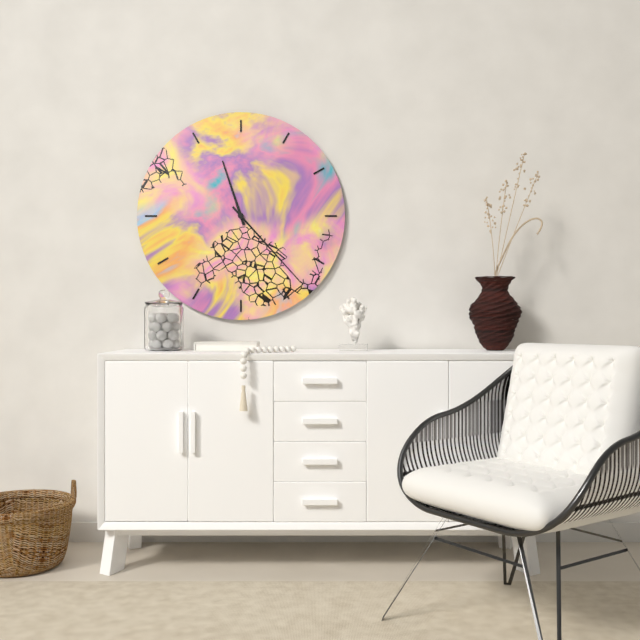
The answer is 11.23
